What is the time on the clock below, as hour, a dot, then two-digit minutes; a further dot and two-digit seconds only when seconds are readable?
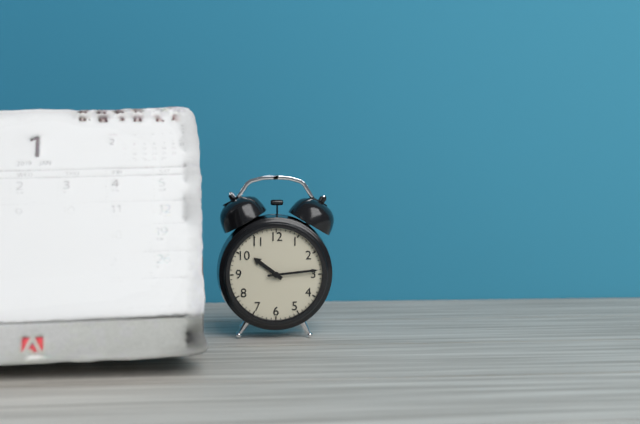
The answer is 10.14
